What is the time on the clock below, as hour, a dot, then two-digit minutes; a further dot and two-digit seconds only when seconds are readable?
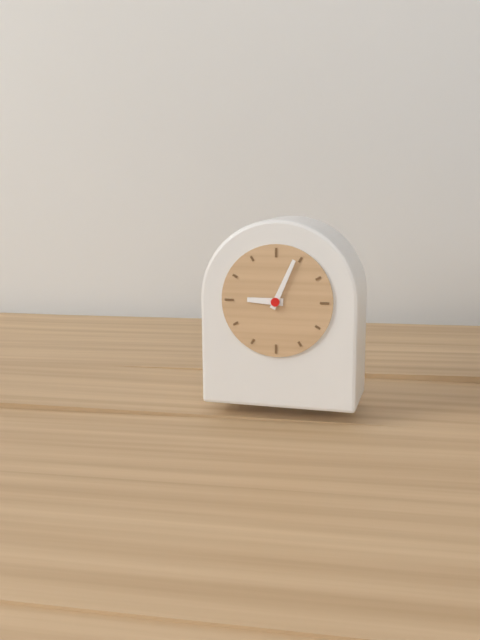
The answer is 9.04
